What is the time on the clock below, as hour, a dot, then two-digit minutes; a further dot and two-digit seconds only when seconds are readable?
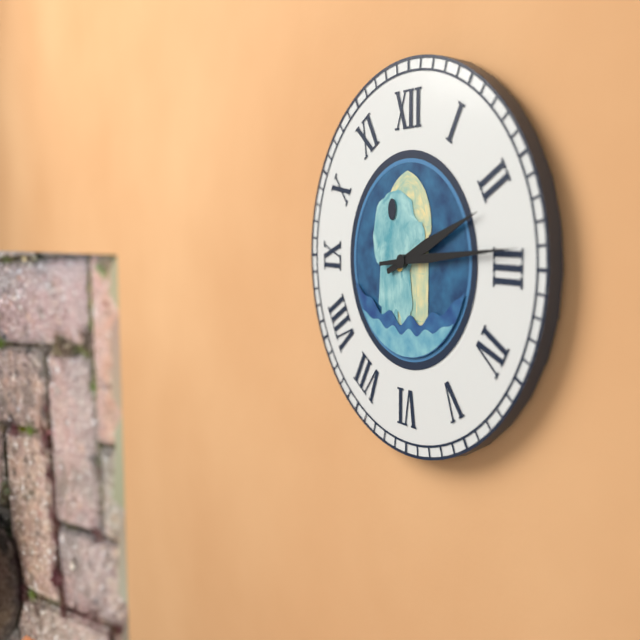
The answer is 2.14
